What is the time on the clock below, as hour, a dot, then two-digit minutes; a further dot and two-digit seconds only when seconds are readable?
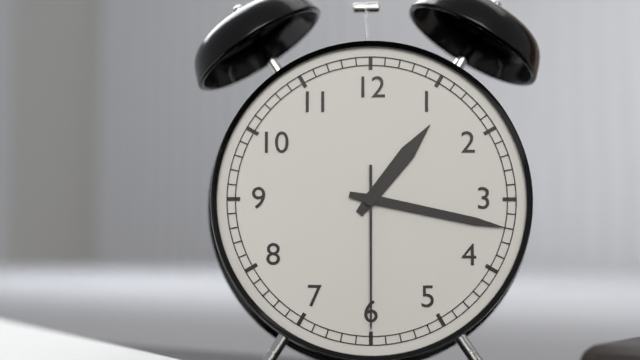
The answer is 1.17.30
